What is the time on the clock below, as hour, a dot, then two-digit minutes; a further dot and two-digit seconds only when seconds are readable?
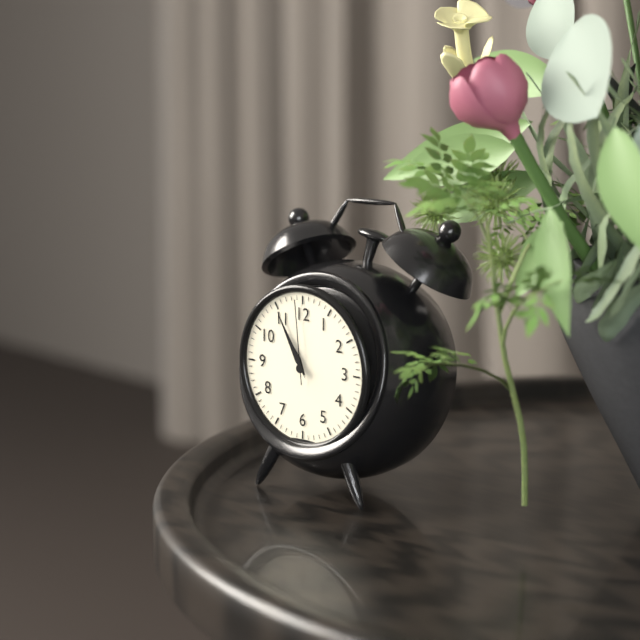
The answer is 10.55.59
